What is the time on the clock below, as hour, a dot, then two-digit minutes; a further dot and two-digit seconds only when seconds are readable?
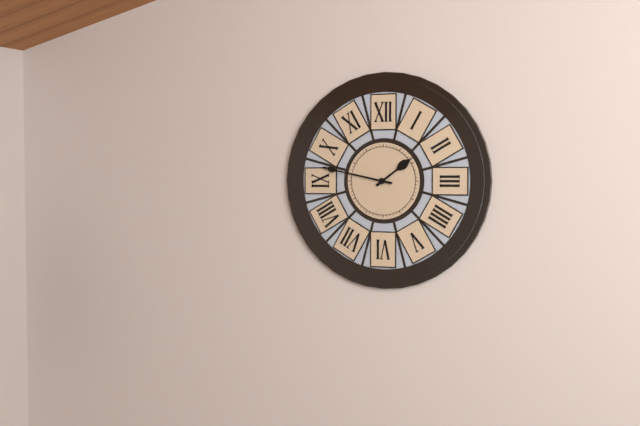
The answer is 1.47
